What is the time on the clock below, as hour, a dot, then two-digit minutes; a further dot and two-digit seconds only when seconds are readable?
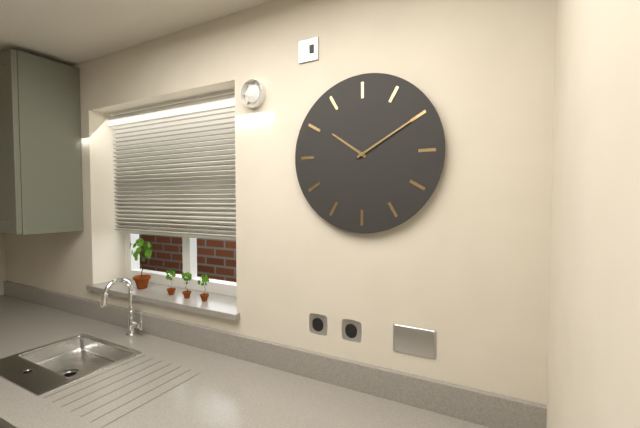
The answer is 10.10
